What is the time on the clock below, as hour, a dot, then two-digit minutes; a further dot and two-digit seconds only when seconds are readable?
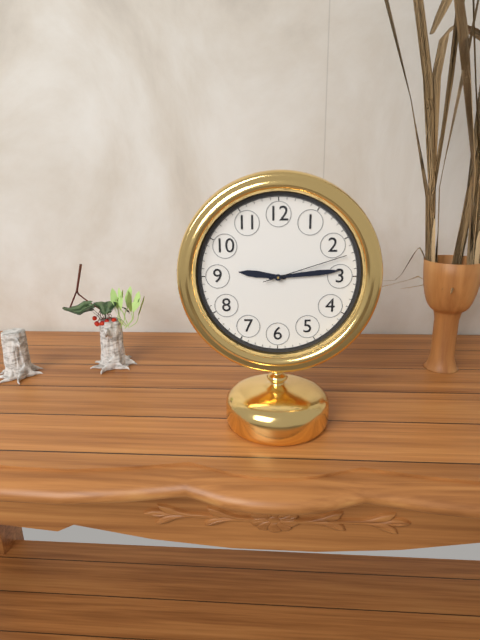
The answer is 9.14.12
